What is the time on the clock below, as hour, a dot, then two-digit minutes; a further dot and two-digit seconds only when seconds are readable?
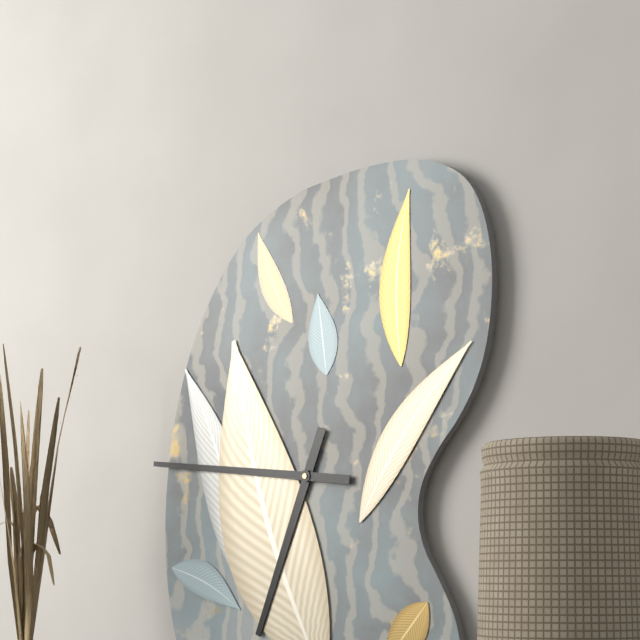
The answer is 6.46
